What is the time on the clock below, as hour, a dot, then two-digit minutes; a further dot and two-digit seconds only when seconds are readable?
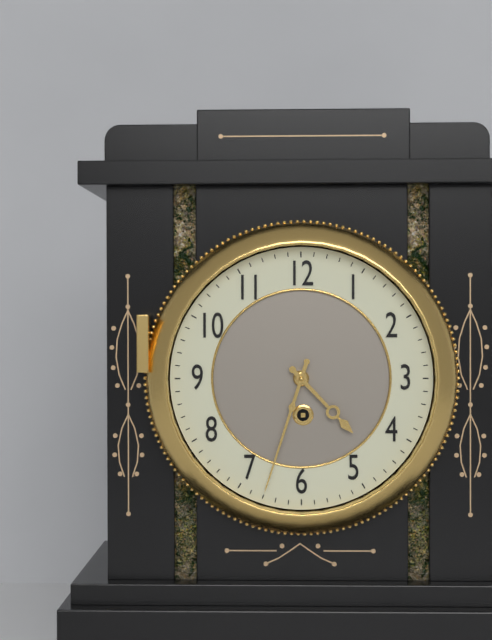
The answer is 4.33
